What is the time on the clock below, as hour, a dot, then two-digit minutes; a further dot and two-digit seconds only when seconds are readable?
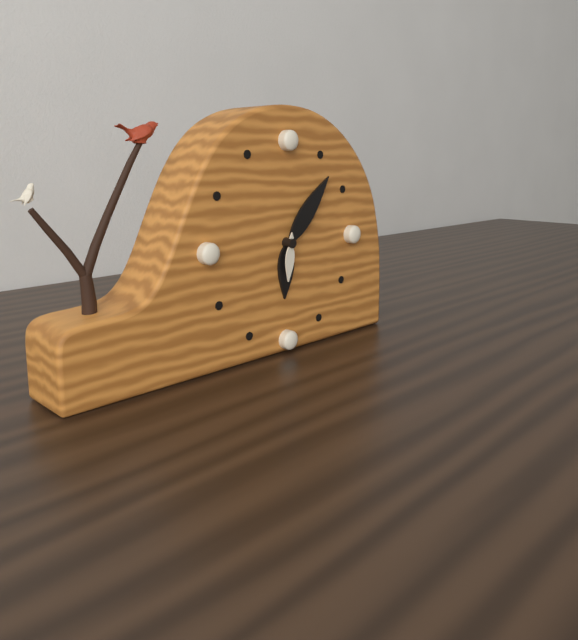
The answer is 6.07
